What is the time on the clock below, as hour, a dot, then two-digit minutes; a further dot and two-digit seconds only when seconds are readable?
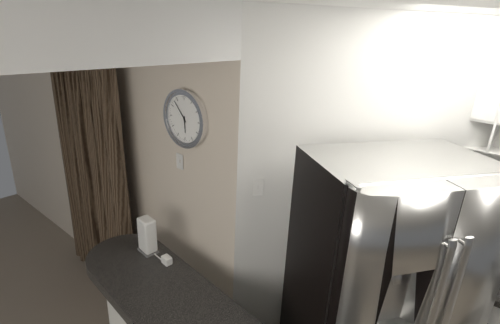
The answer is 5.53
